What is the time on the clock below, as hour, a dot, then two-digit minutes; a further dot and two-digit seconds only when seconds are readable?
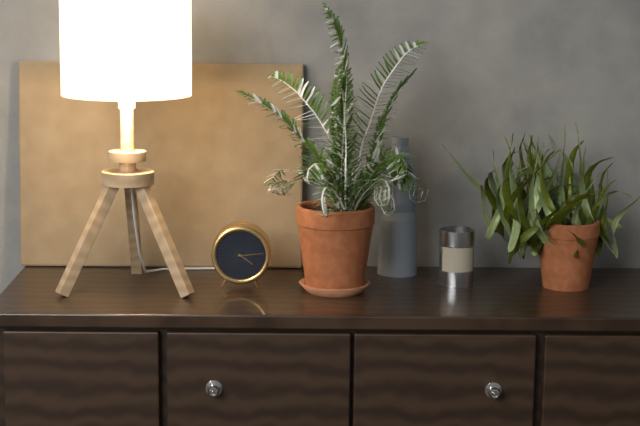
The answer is 4.14
